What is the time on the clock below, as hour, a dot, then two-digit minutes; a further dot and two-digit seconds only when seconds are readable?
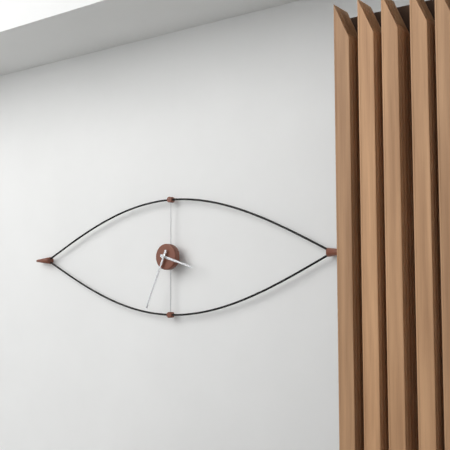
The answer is 3.34
